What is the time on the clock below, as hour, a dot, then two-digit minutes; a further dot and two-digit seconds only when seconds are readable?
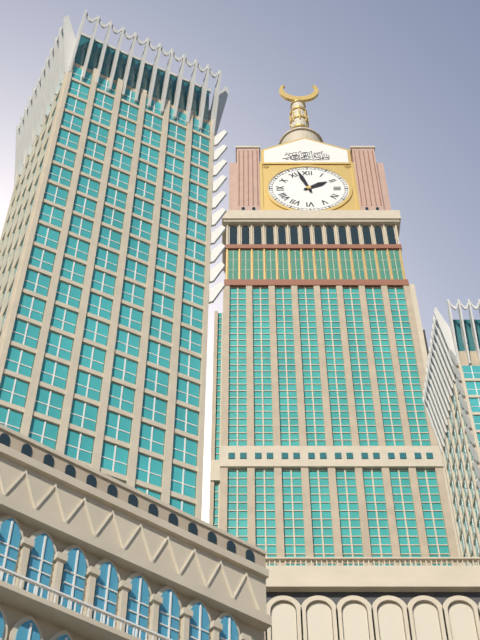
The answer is 1.57
